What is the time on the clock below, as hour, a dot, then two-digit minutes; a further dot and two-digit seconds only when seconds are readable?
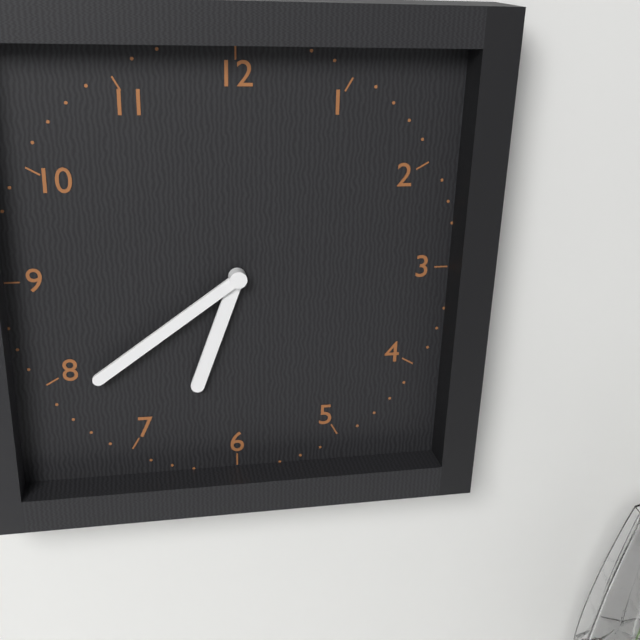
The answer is 6.39
